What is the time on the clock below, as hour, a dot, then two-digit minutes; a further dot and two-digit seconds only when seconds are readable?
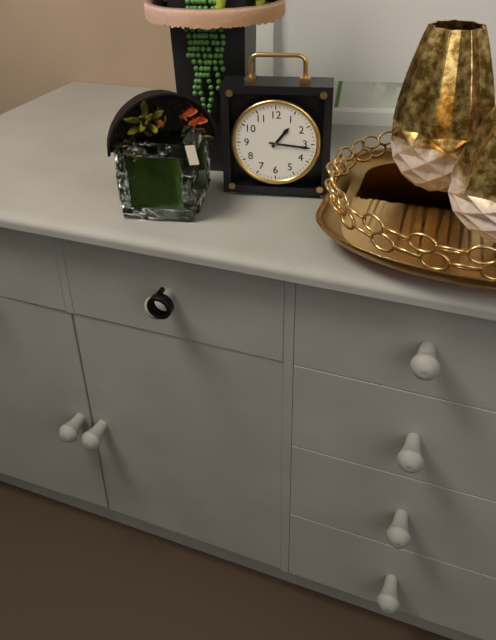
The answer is 1.16
